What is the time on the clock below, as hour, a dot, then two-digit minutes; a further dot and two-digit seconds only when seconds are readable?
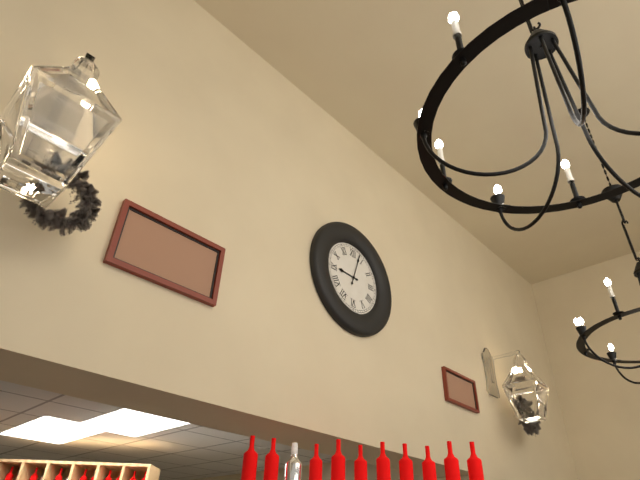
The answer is 9.03
